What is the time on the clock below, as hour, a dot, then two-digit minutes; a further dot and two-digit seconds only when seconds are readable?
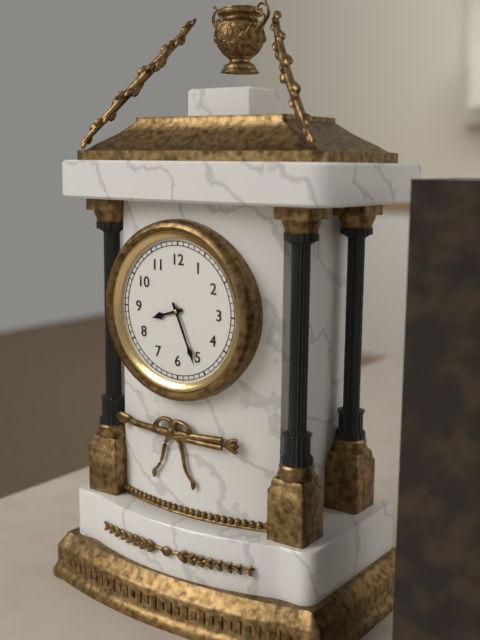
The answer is 8.26
